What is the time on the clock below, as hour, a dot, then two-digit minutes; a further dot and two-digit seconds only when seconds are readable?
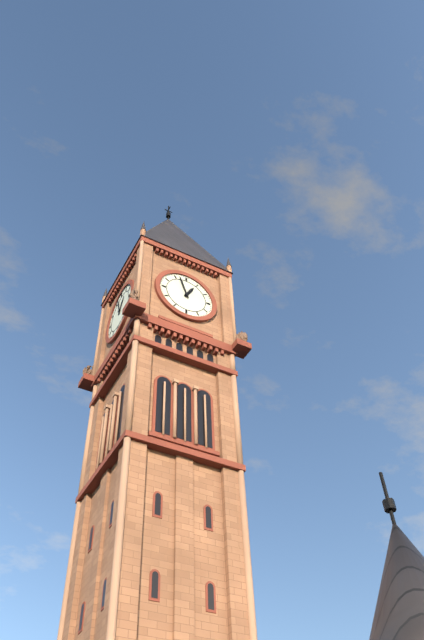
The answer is 12.57
